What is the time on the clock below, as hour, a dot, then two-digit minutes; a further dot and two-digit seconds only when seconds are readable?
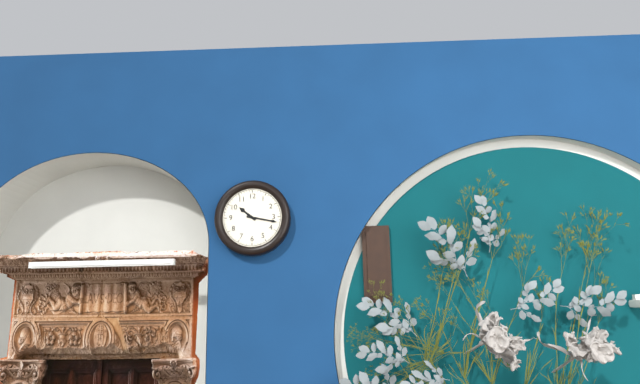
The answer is 10.17
